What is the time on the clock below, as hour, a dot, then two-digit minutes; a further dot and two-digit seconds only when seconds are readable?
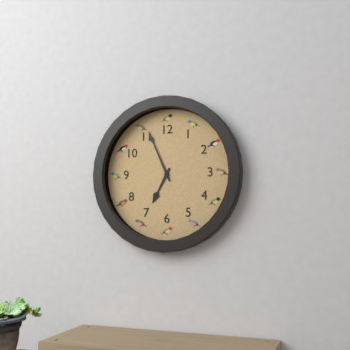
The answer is 6.56
